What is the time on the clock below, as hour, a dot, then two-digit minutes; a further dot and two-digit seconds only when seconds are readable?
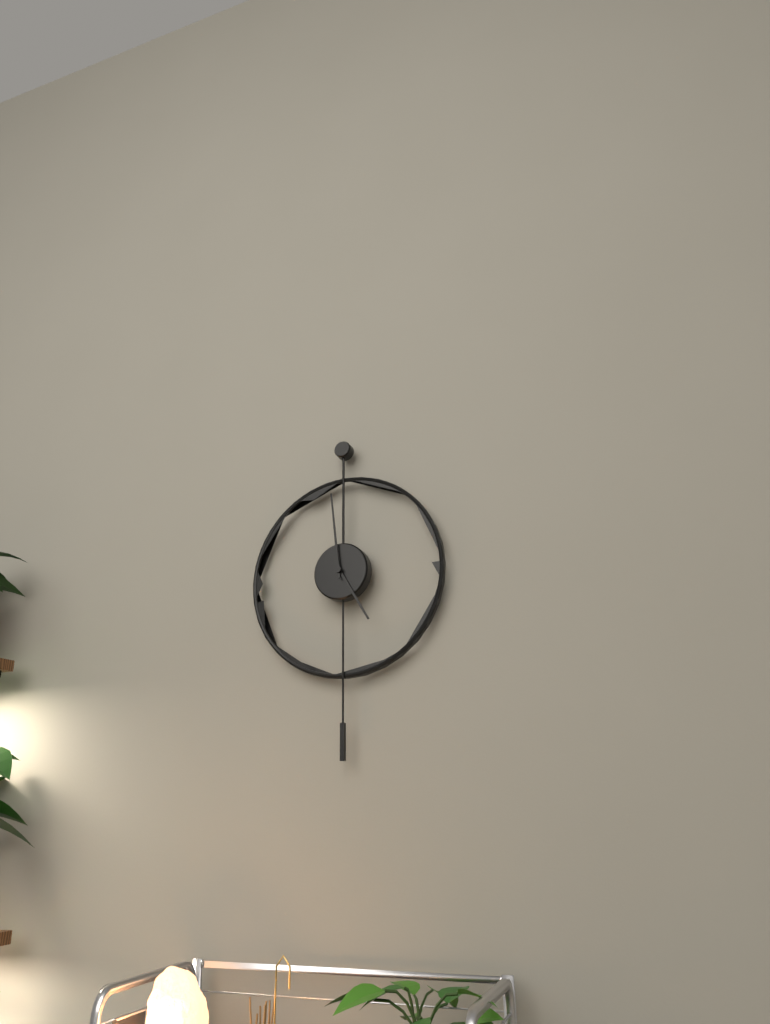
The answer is 4.59
